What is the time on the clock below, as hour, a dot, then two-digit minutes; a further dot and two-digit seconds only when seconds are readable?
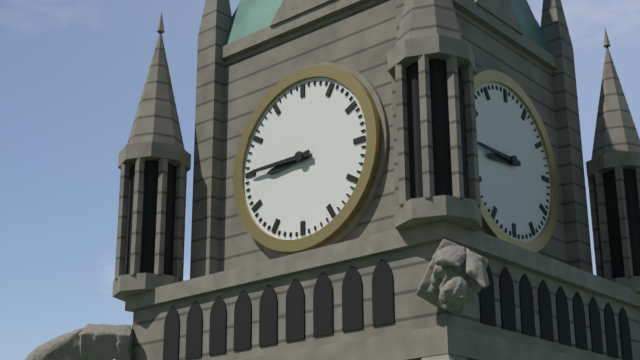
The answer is 8.45
